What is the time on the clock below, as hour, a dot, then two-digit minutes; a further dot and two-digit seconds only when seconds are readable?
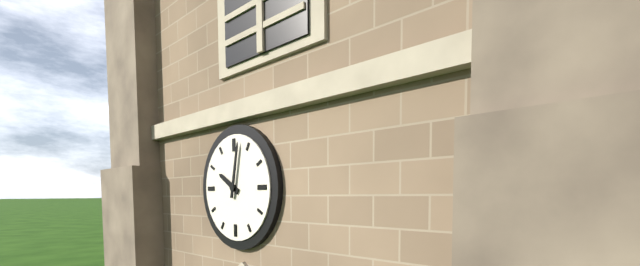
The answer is 10.02
